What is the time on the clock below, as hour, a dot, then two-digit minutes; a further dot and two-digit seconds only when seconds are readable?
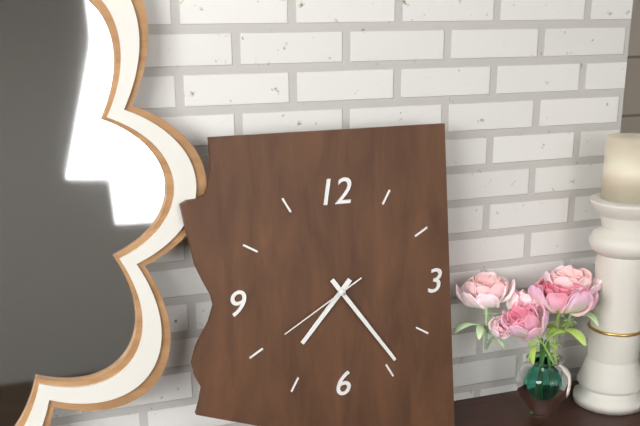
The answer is 7.24.40
